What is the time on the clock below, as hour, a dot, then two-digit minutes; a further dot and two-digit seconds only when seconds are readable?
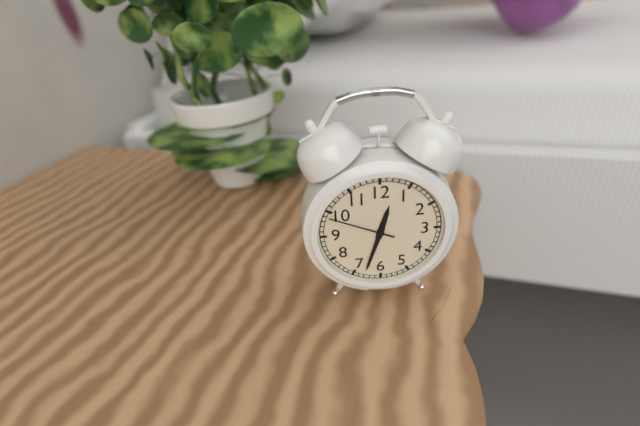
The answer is 12.33.49
